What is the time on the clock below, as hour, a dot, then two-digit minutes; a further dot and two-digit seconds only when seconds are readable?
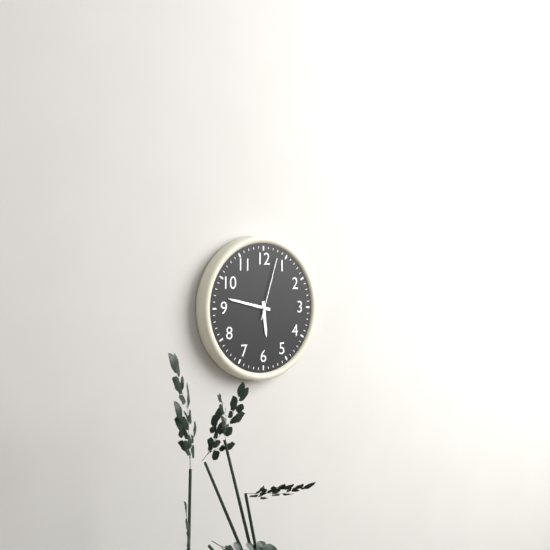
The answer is 5.47.03
